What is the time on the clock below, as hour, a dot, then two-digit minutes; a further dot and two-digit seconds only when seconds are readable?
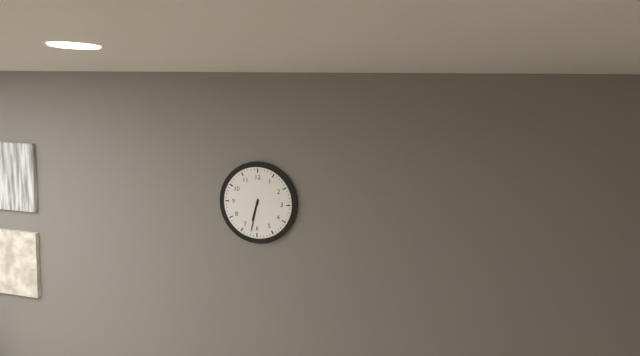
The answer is 6.32
